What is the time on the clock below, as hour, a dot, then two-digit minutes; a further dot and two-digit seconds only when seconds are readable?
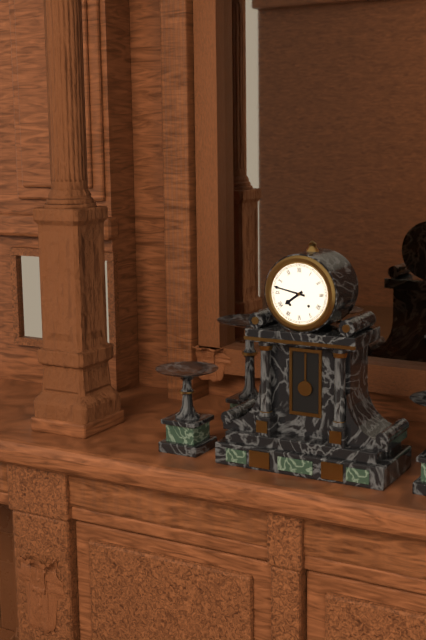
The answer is 7.47
